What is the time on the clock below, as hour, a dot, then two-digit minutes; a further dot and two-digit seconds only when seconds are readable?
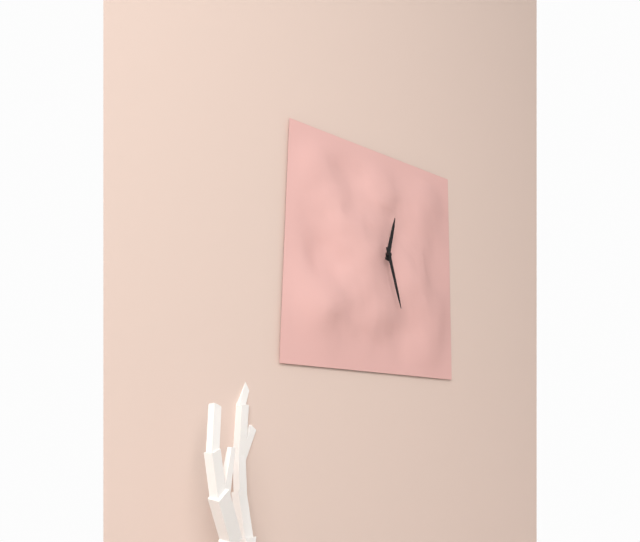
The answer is 12.27
